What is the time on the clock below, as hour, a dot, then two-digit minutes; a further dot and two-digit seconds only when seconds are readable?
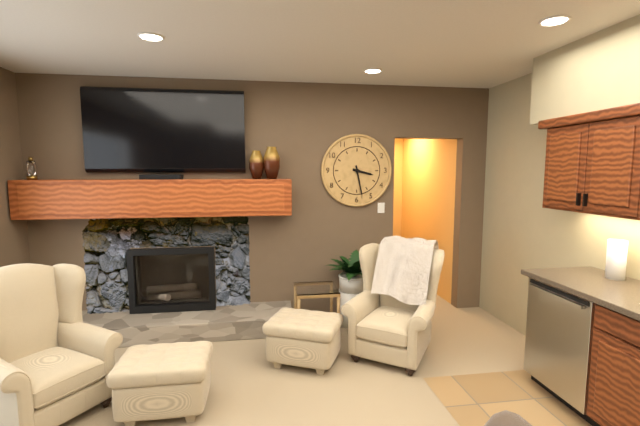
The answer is 3.28
